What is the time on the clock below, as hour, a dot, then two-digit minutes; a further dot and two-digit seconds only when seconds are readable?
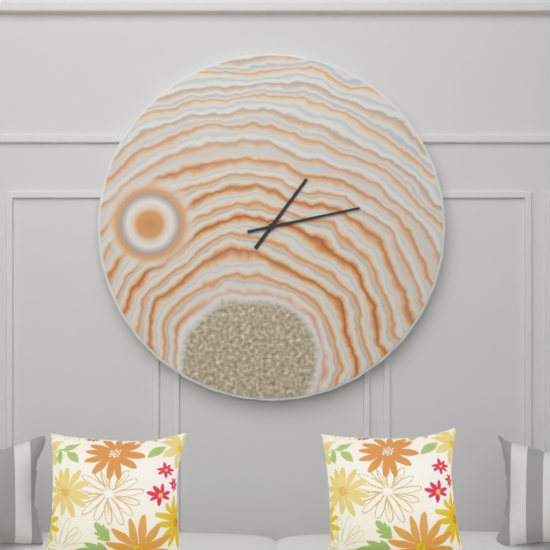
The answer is 1.13
